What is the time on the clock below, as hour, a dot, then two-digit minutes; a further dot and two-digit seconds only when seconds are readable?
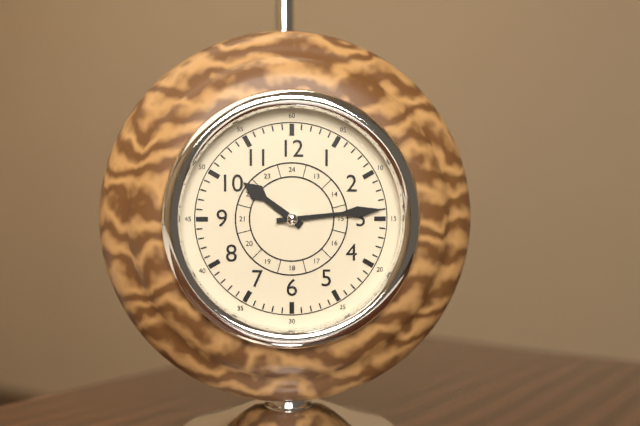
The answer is 10.14
